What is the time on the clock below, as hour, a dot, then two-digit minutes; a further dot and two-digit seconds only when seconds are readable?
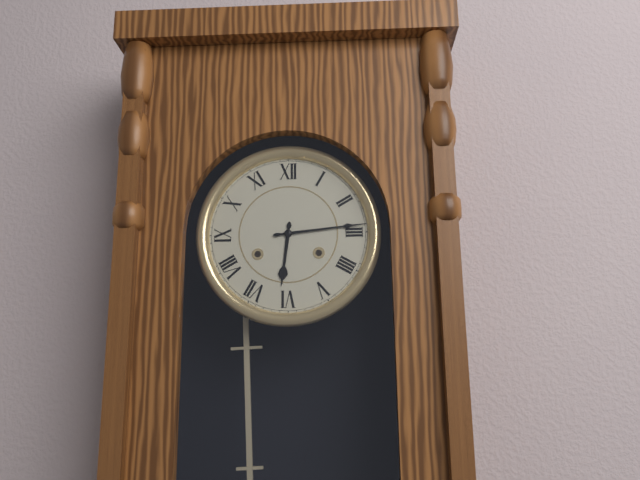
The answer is 6.14
